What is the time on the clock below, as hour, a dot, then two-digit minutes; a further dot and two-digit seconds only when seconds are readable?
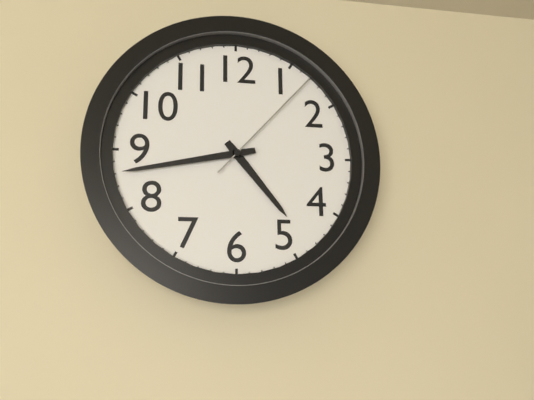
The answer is 4.43.07
